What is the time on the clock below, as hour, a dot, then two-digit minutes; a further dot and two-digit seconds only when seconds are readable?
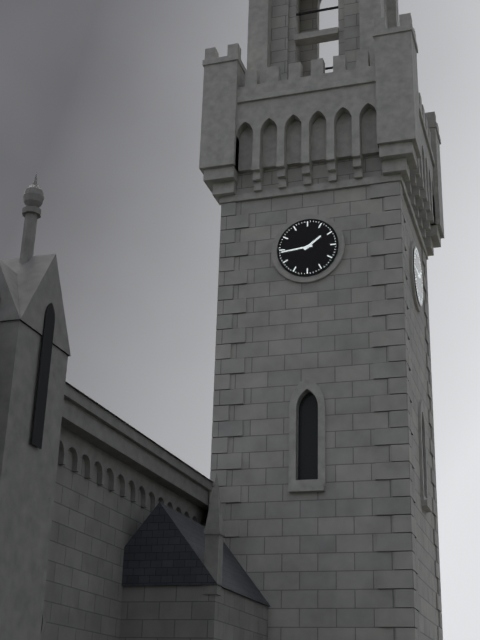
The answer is 1.44
